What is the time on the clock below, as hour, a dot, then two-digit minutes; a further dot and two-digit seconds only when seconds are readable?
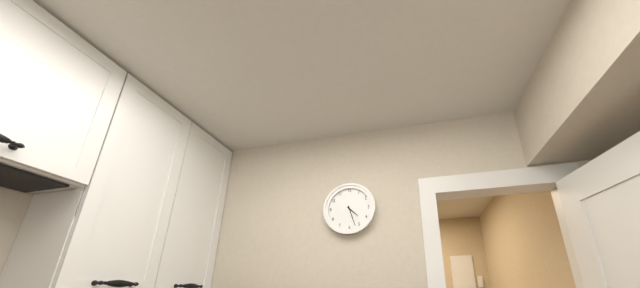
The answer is 4.27
